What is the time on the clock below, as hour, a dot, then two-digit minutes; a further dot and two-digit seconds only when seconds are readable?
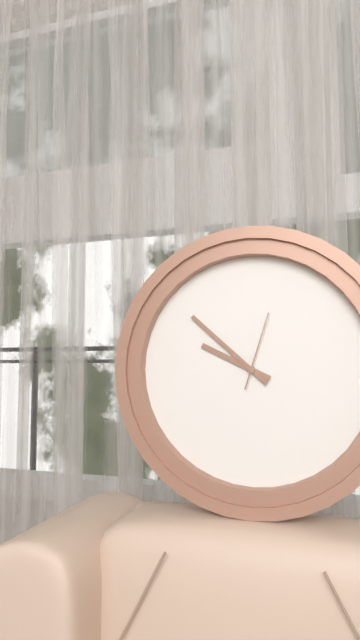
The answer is 9.52.03
